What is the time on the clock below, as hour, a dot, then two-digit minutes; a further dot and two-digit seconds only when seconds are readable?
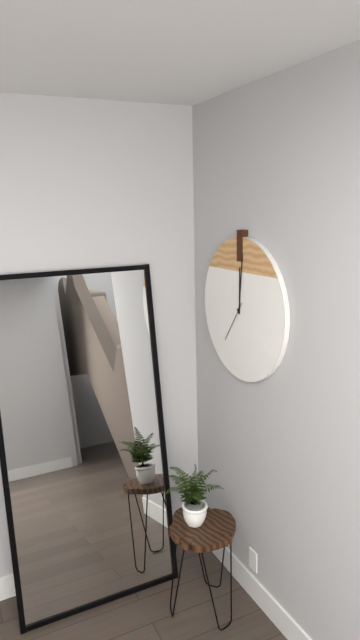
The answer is 12.01
